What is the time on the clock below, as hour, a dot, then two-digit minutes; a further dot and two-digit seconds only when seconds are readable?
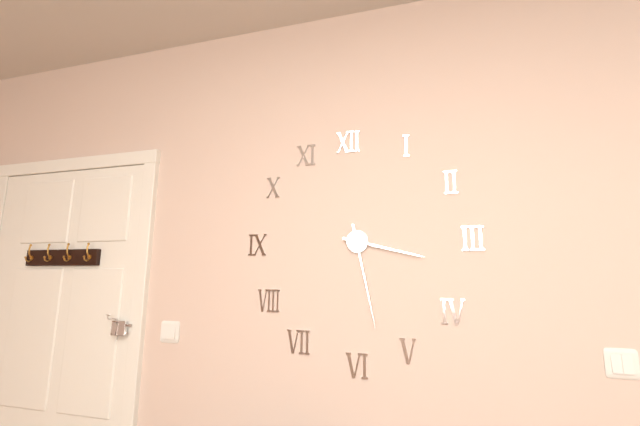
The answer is 3.28
